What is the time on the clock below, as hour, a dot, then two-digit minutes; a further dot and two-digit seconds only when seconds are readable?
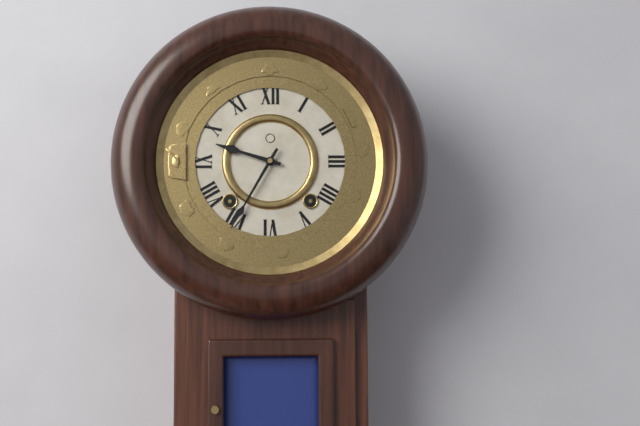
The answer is 9.35
